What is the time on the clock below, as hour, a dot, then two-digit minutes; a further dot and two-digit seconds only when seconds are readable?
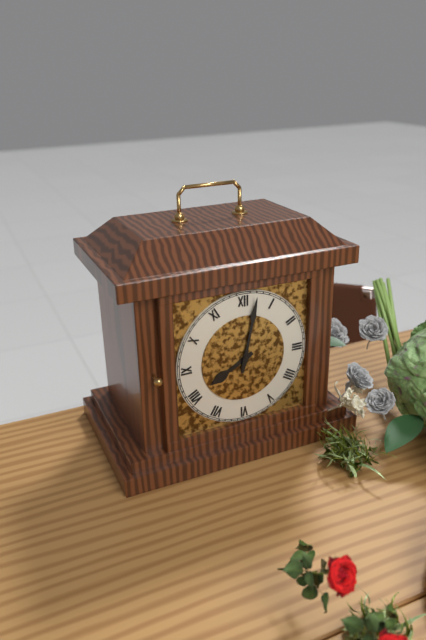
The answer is 8.02
